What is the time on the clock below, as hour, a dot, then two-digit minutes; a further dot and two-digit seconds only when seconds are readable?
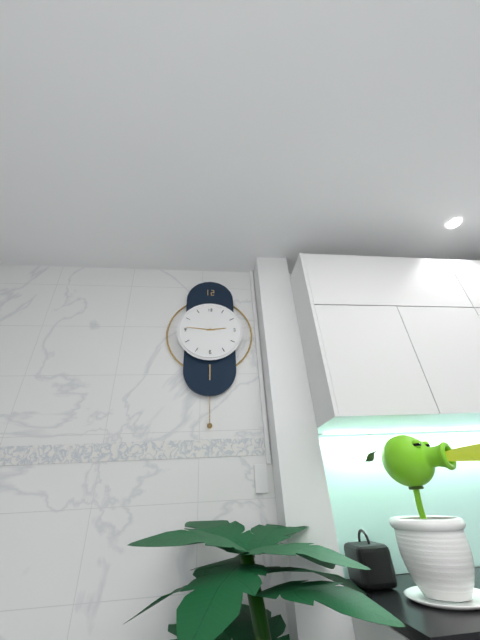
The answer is 2.46
